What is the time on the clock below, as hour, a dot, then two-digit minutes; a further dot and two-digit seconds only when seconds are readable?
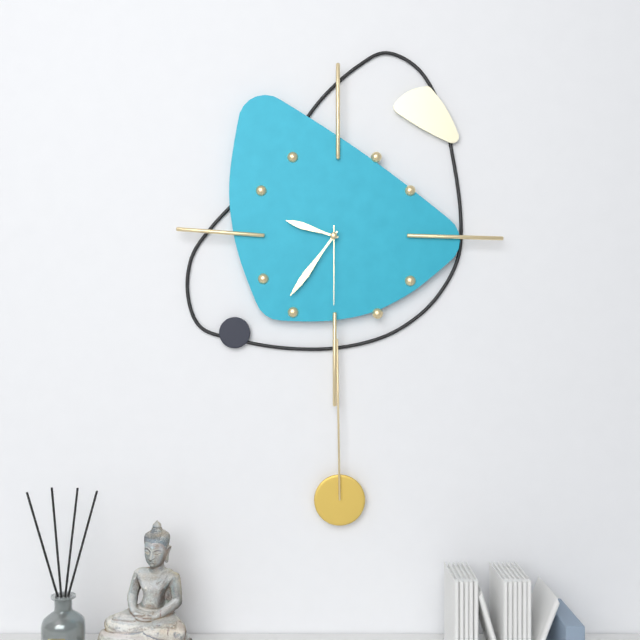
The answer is 9.36.30
